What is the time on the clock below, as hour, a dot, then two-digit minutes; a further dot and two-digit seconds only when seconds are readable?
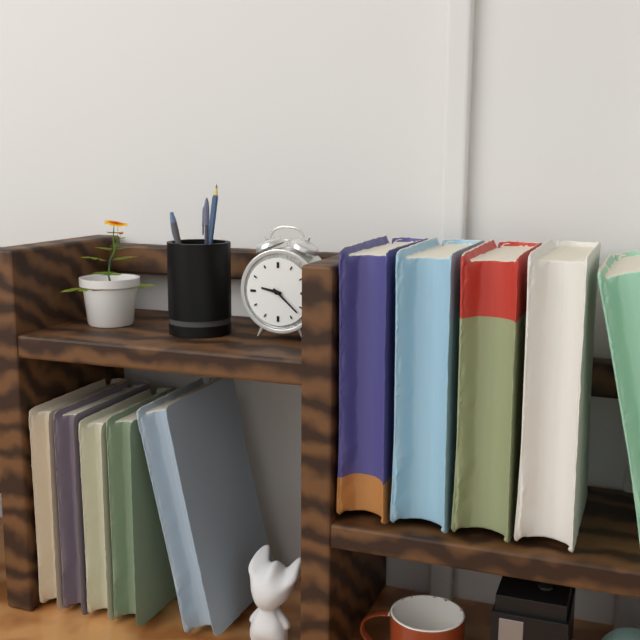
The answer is 9.22
